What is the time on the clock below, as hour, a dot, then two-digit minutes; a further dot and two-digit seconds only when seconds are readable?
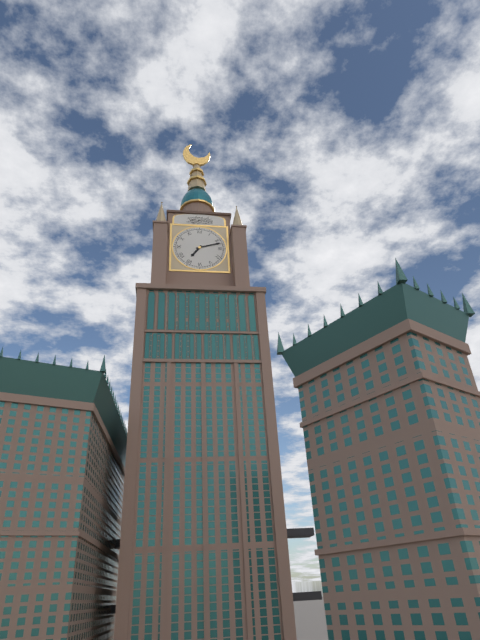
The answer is 7.12
